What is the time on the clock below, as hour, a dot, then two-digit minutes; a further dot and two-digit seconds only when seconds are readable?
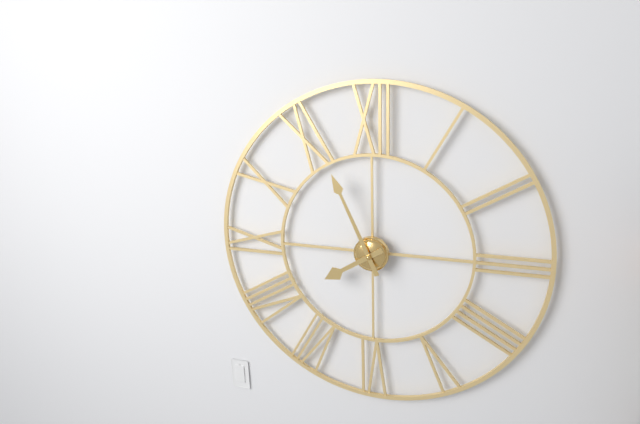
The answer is 7.56
